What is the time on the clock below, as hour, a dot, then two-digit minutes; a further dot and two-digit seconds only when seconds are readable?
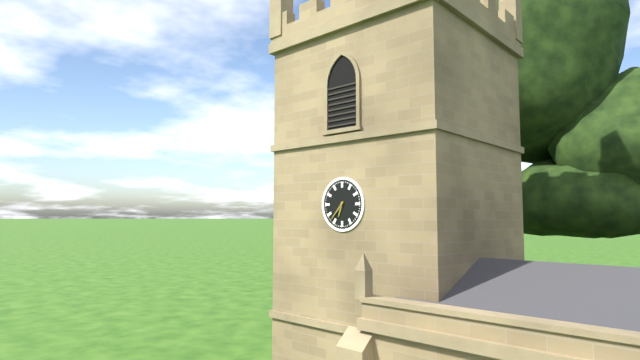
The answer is 6.37
